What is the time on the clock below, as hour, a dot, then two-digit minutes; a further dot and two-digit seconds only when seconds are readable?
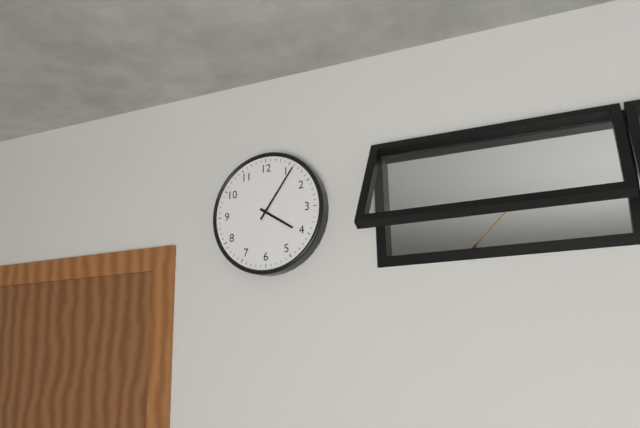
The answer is 4.06
